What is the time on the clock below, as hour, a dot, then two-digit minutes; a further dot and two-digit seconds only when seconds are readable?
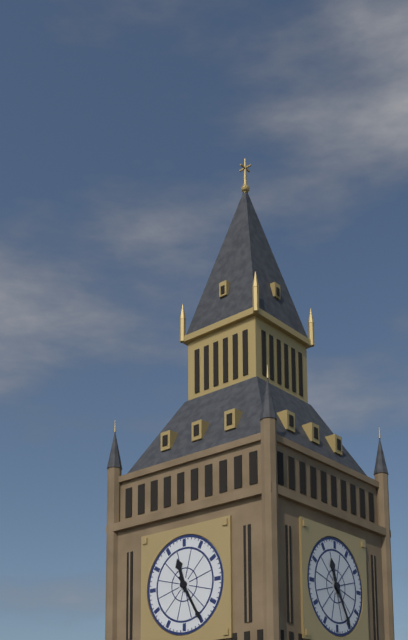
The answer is 11.25
